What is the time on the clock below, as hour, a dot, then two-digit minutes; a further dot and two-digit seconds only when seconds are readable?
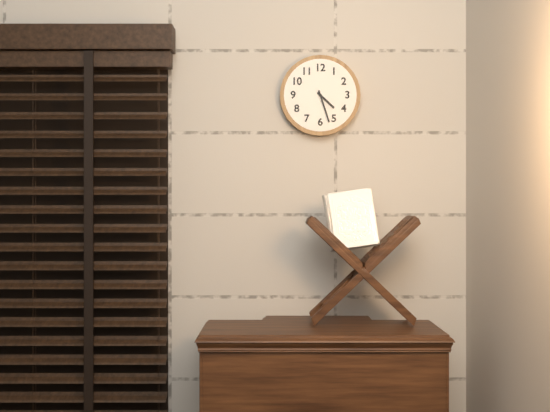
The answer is 4.27
